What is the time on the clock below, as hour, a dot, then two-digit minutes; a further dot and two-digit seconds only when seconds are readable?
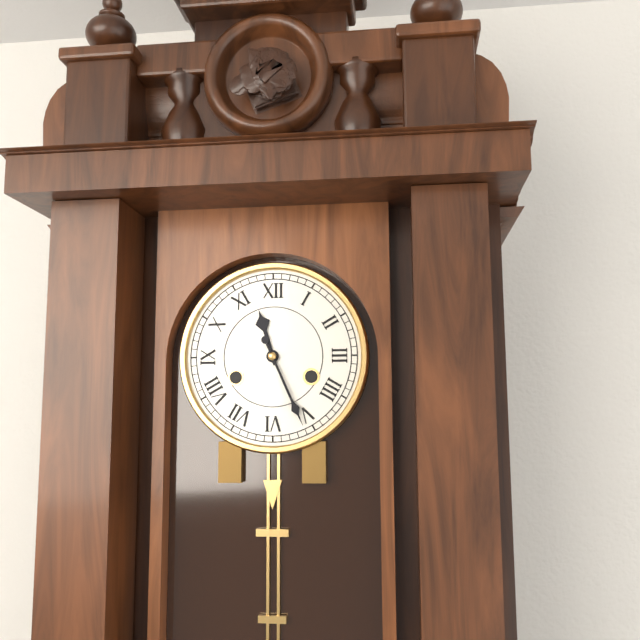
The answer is 11.26
